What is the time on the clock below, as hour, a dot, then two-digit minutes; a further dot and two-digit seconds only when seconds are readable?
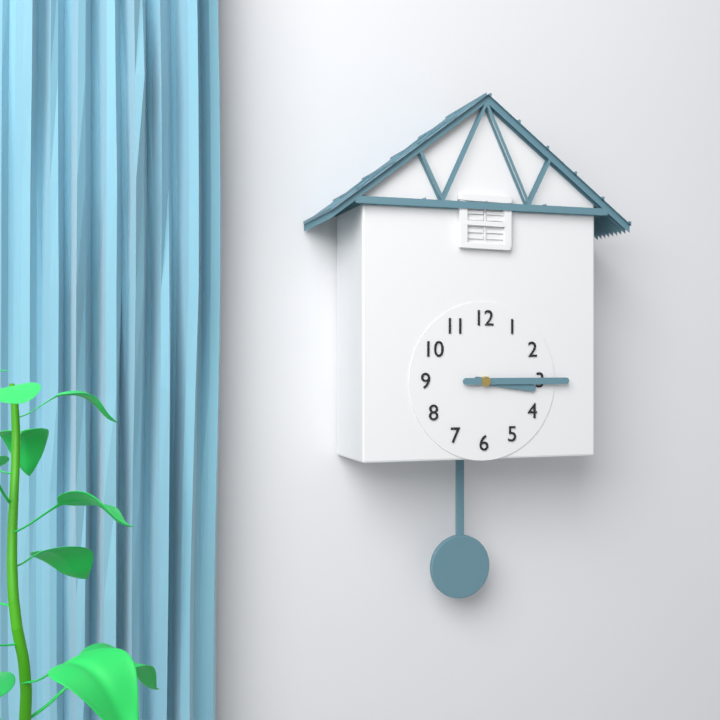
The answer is 3.15
